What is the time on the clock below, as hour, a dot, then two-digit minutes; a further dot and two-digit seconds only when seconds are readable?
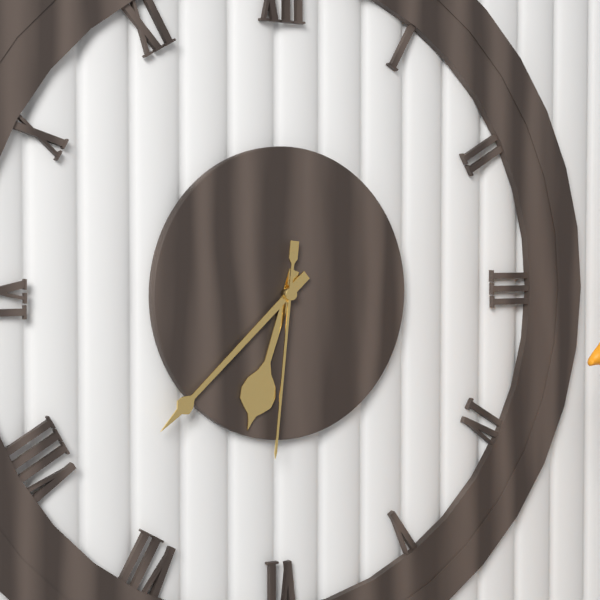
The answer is 6.38.31
